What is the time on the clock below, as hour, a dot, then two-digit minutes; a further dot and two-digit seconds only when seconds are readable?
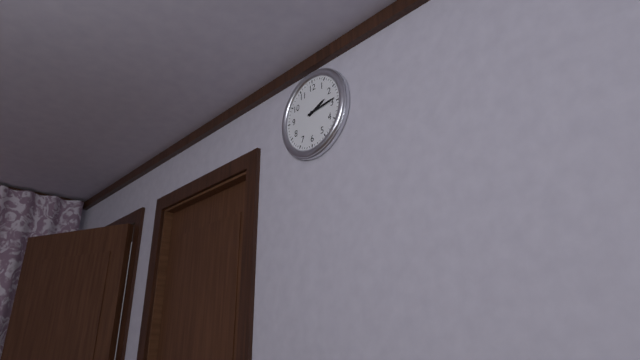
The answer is 2.14
